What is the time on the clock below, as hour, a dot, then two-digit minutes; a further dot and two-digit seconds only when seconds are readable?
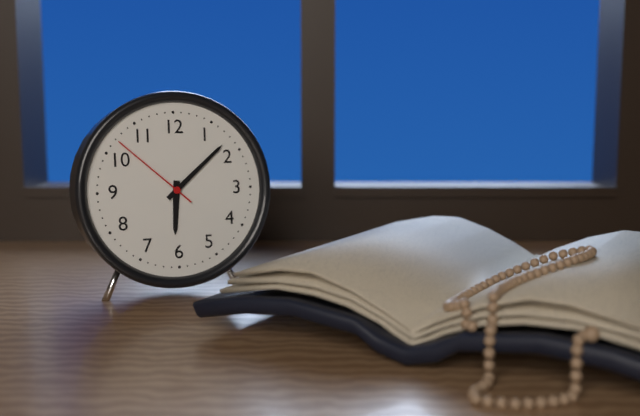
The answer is 6.08.52
